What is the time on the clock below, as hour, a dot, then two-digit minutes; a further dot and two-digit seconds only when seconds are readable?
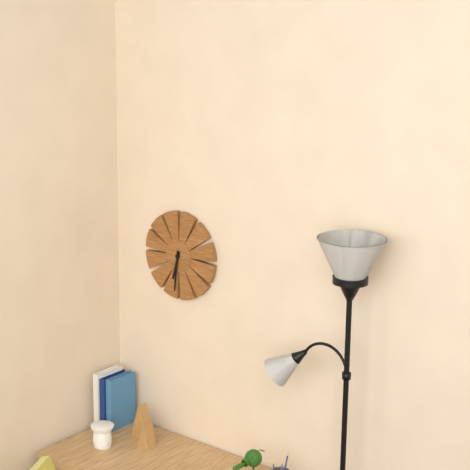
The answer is 6.31
